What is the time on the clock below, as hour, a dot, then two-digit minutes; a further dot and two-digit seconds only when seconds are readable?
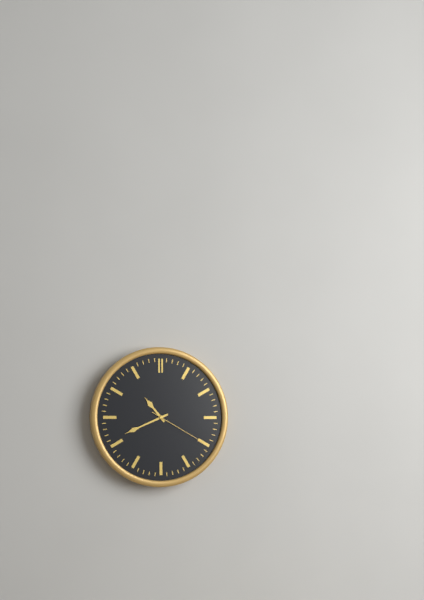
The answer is 10.41.20
